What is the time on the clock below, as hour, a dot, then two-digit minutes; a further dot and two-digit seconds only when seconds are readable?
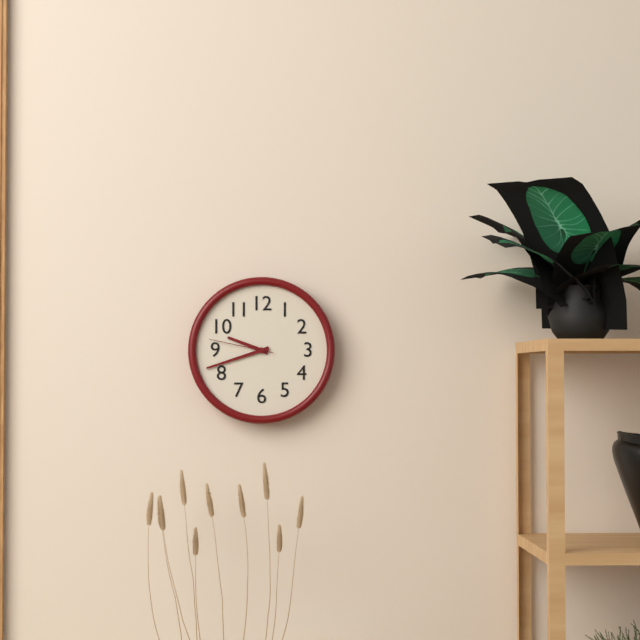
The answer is 9.42.47
